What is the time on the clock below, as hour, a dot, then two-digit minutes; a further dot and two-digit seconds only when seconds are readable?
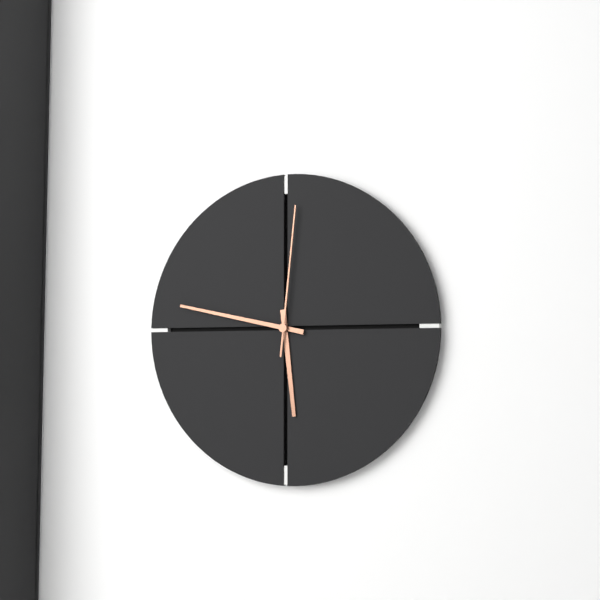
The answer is 5.47.01
